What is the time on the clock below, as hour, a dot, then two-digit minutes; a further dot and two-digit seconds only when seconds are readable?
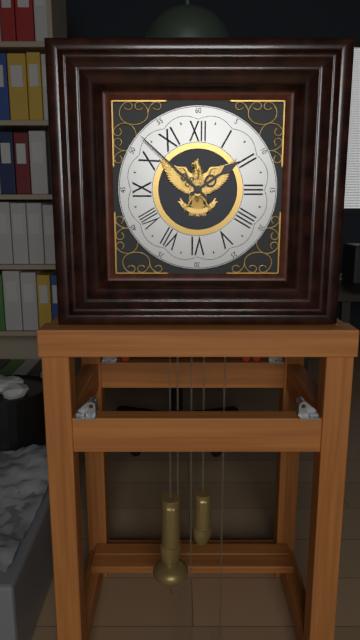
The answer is 1.52
